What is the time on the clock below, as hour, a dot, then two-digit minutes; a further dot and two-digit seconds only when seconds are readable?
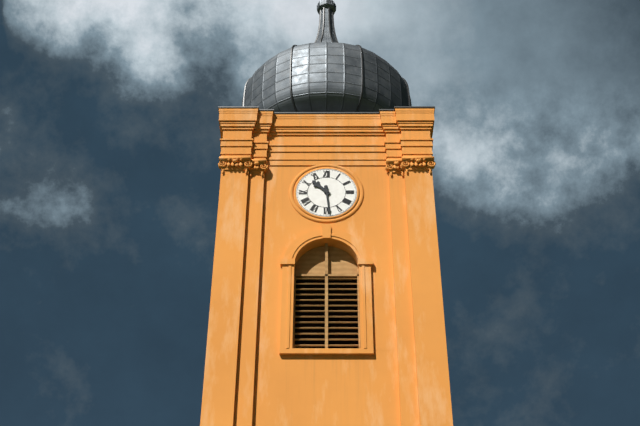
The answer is 10.29
